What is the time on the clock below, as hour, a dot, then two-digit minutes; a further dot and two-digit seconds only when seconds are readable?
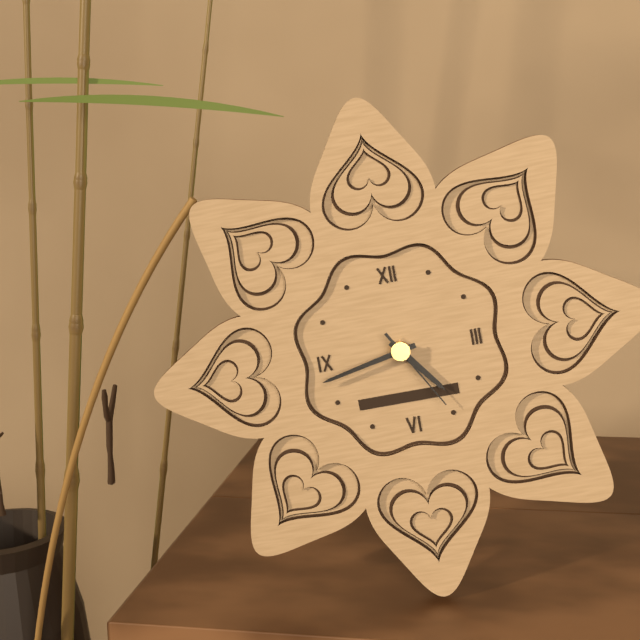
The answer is 4.43.25
